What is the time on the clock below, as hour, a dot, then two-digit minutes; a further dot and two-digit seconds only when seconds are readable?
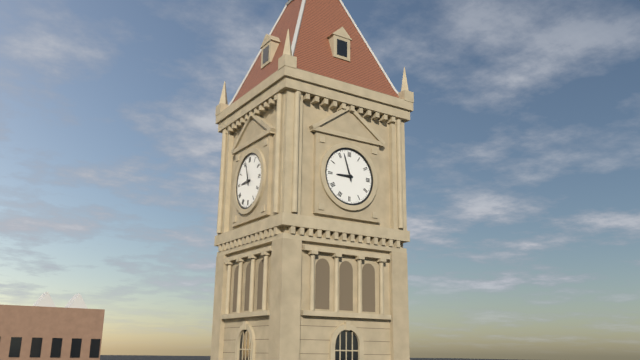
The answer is 8.57
